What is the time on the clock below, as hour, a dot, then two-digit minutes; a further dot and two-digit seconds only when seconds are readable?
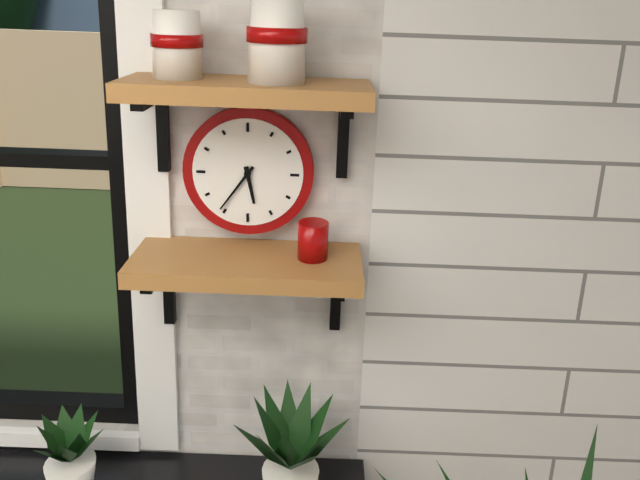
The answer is 5.36
